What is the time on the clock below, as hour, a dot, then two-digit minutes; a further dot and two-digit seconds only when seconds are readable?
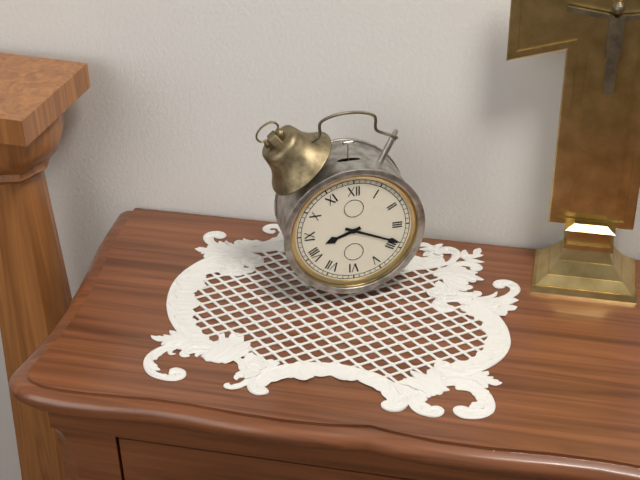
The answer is 8.19
